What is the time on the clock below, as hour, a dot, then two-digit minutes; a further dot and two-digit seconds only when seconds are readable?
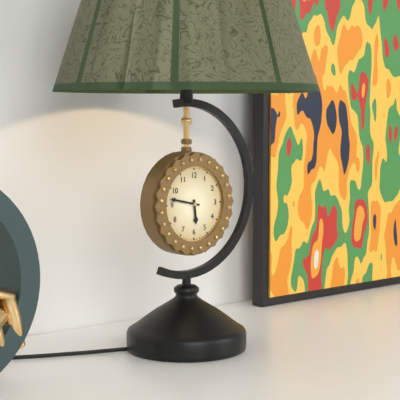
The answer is 5.47
